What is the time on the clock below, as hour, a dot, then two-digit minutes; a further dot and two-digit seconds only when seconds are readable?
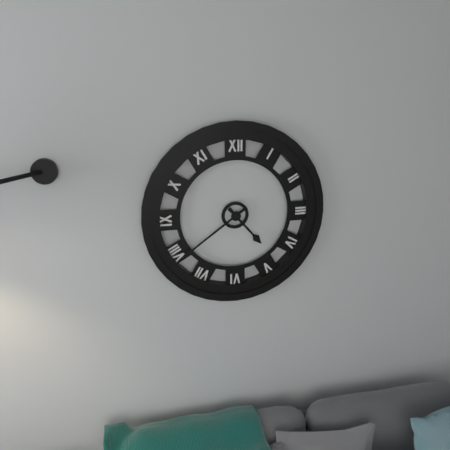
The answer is 4.39
